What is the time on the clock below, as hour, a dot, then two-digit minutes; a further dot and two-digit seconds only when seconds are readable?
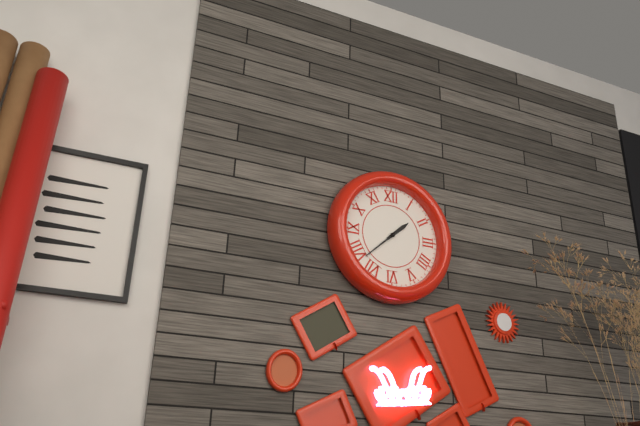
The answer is 1.38
